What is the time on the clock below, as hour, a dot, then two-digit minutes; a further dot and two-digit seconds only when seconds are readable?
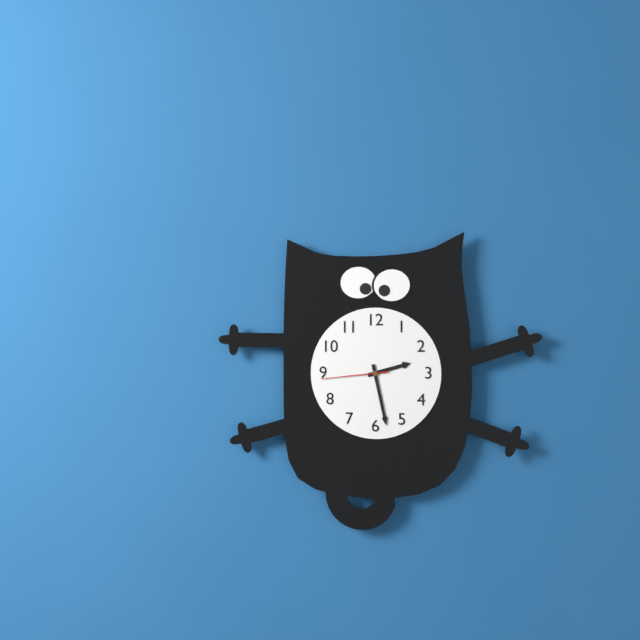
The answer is 2.28.44
